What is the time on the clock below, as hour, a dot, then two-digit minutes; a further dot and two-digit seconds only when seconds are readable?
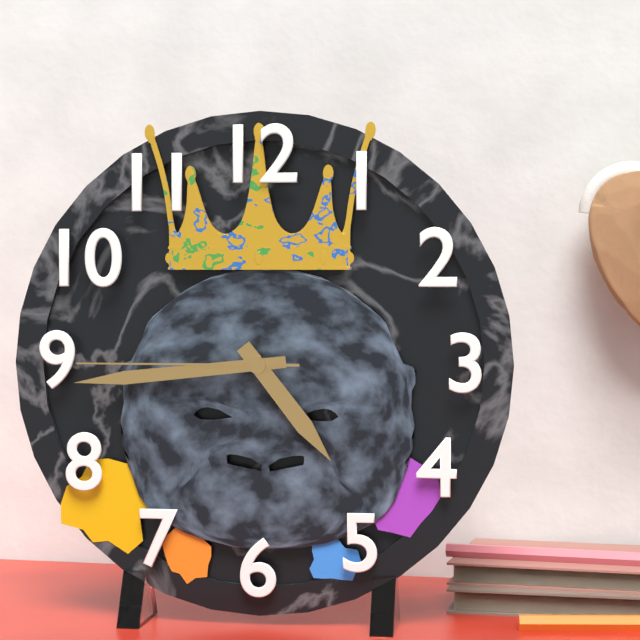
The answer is 4.44.45
